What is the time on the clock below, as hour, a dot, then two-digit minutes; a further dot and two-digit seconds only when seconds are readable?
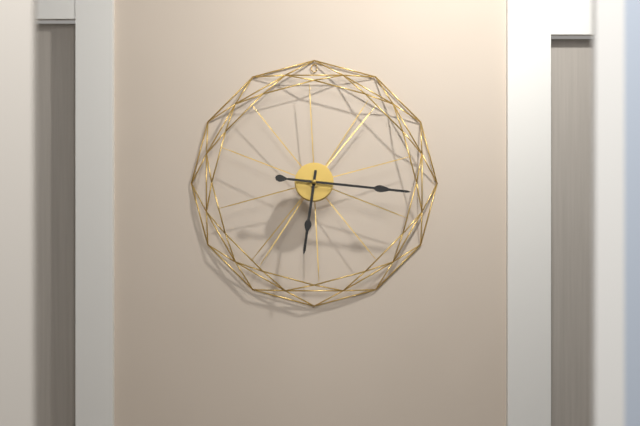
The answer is 6.16
